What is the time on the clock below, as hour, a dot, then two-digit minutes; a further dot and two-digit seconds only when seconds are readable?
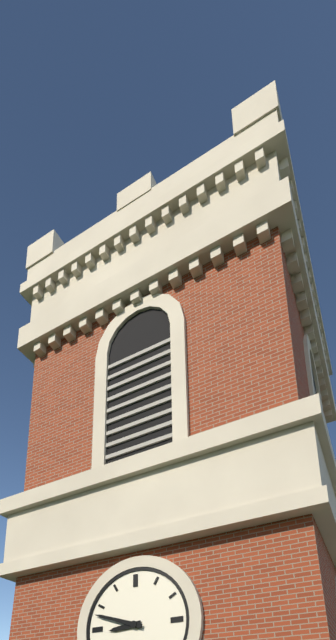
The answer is 8.48
